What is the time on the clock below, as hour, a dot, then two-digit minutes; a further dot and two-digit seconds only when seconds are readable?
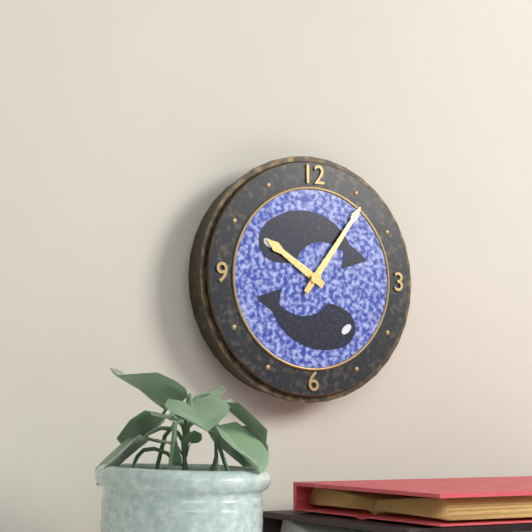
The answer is 10.06
